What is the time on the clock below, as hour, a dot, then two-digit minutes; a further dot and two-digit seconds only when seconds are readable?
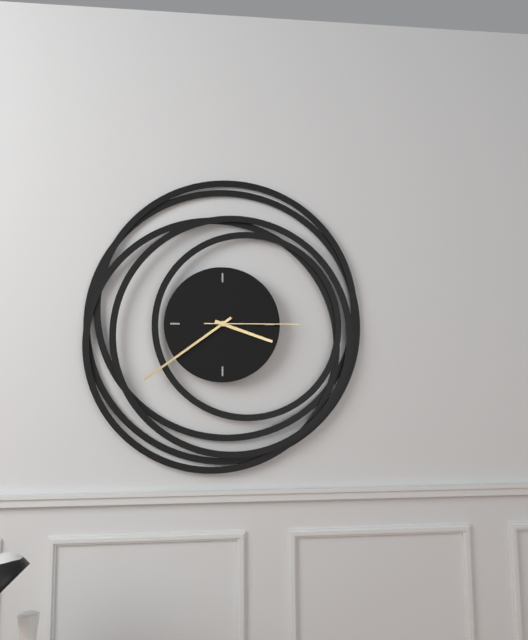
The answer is 3.39.15
